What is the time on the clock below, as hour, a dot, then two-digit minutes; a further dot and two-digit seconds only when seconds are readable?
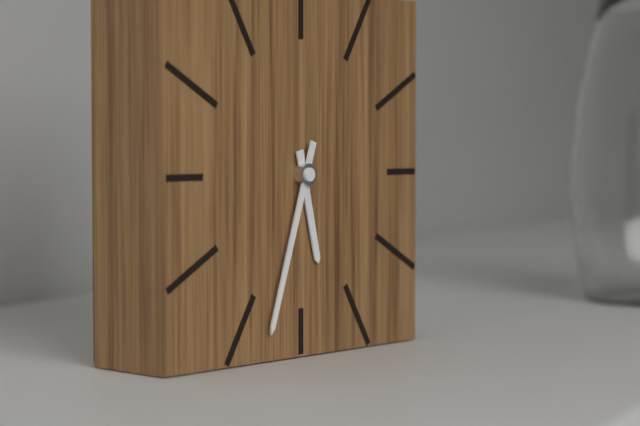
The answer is 5.33
